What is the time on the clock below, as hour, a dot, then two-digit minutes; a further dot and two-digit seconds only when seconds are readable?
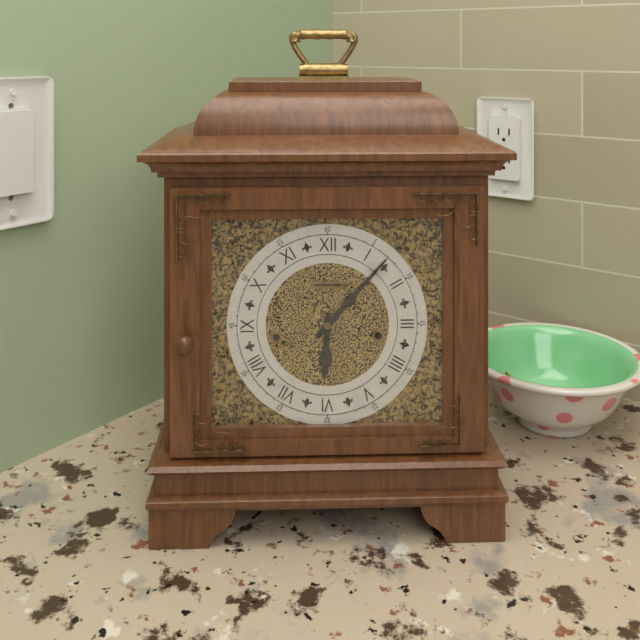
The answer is 6.07
